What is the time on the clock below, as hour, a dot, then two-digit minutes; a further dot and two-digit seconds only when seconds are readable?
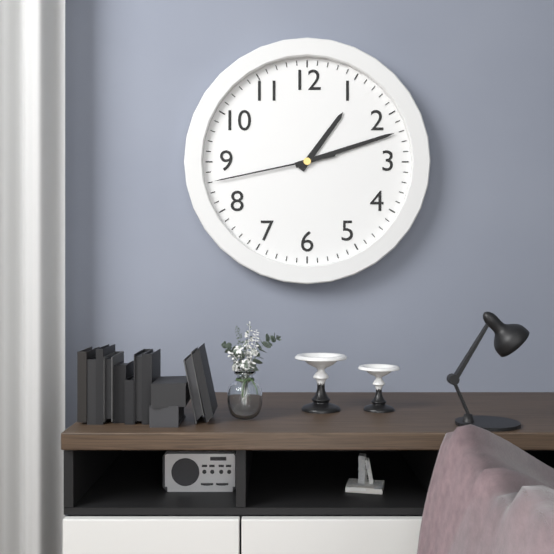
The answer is 1.12.43
